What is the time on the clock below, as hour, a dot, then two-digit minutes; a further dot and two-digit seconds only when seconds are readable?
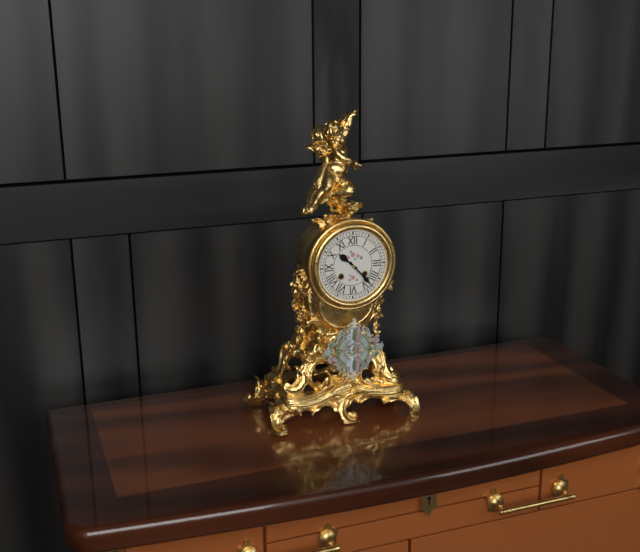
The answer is 10.23
